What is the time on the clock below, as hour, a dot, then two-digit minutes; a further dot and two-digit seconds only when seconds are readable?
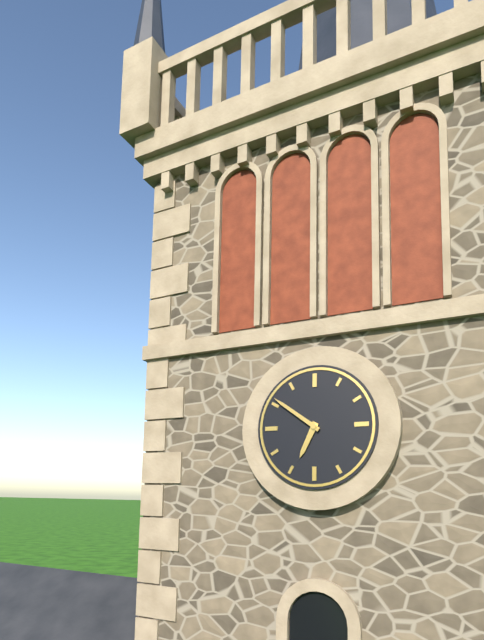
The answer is 6.51
